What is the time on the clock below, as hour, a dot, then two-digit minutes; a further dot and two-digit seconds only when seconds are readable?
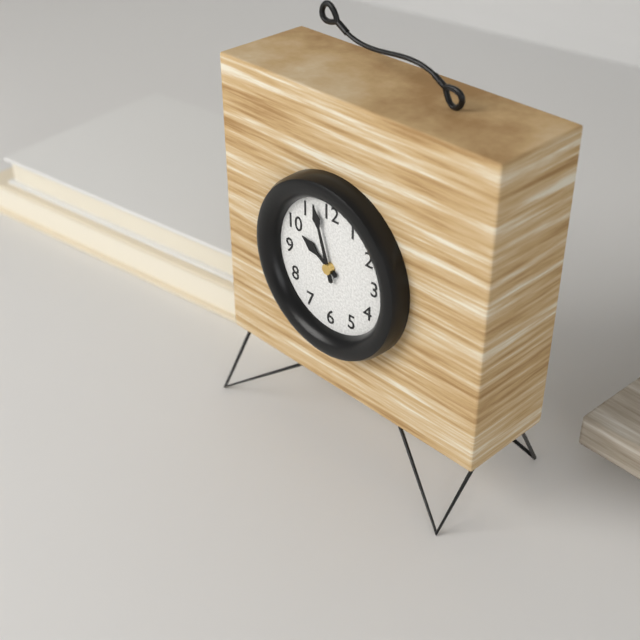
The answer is 9.57
